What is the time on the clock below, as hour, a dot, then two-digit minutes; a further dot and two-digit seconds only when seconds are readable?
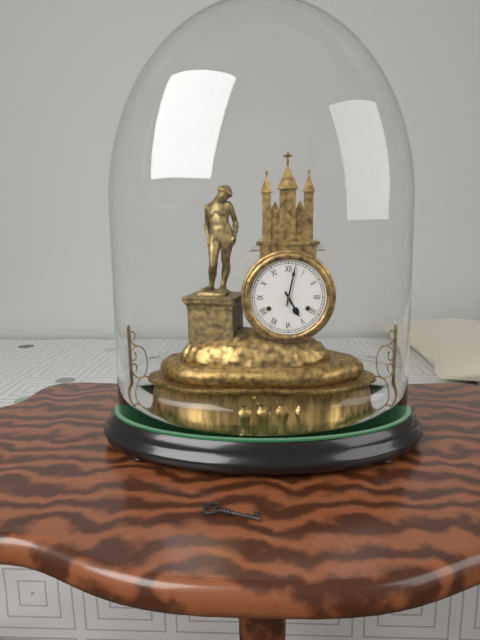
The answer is 5.02
